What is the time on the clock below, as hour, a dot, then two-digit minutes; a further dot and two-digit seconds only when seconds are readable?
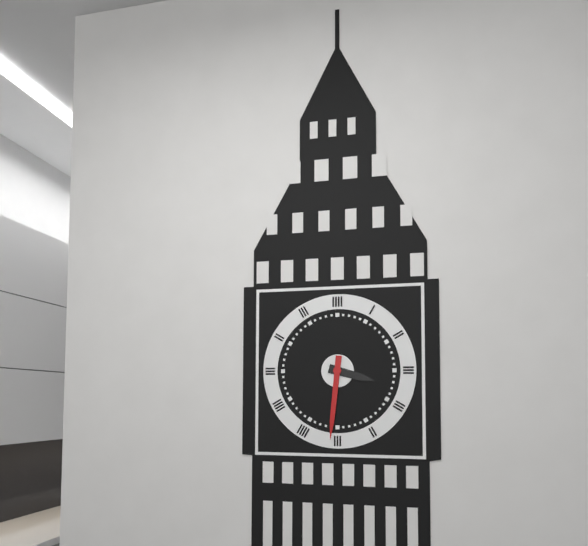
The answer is 3.31
